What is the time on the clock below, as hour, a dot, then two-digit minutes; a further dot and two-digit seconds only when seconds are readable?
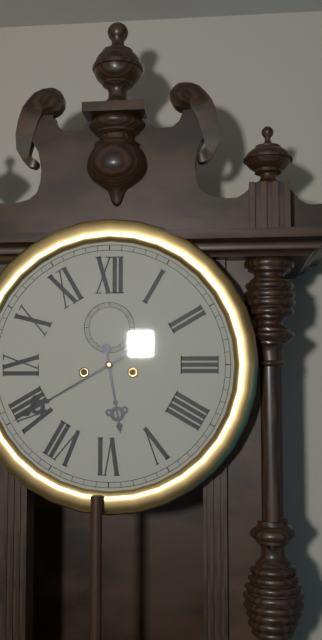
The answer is 5.40
